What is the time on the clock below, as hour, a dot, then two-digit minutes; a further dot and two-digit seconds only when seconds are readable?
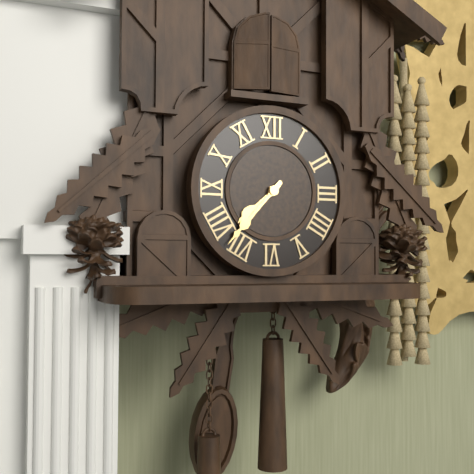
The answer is 7.37
